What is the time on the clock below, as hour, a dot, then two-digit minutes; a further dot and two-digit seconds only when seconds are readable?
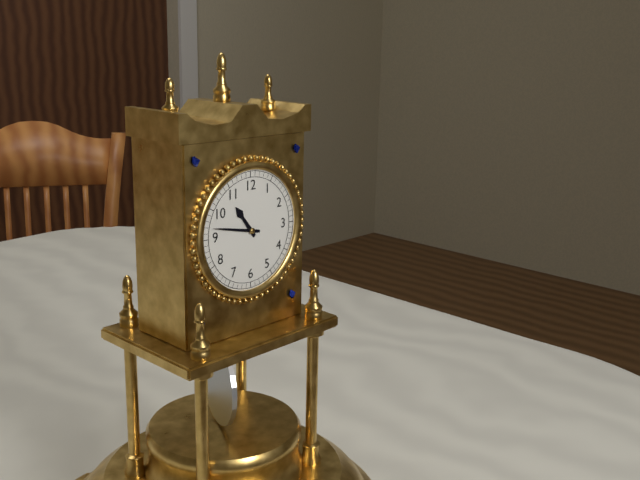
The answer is 10.47
